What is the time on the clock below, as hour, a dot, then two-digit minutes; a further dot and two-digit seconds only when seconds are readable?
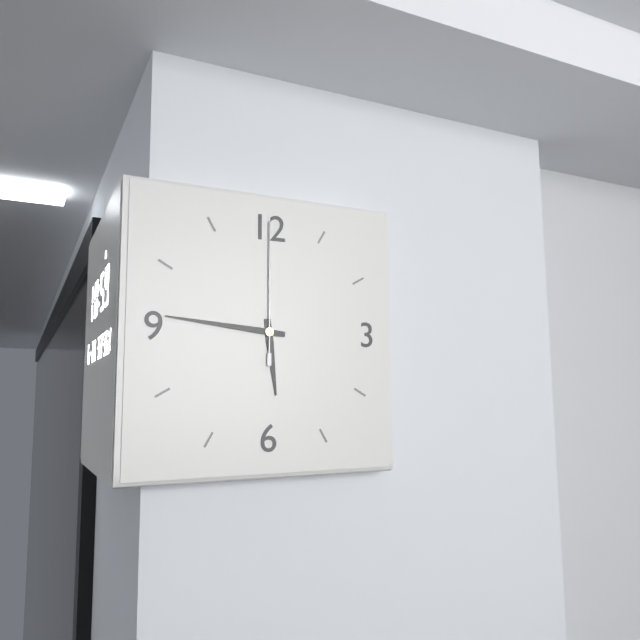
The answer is 5.46.00
